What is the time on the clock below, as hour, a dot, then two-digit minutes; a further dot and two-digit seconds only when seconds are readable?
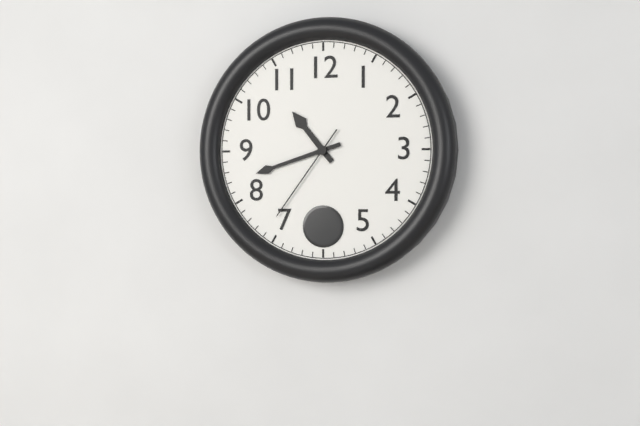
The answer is 10.42.36
